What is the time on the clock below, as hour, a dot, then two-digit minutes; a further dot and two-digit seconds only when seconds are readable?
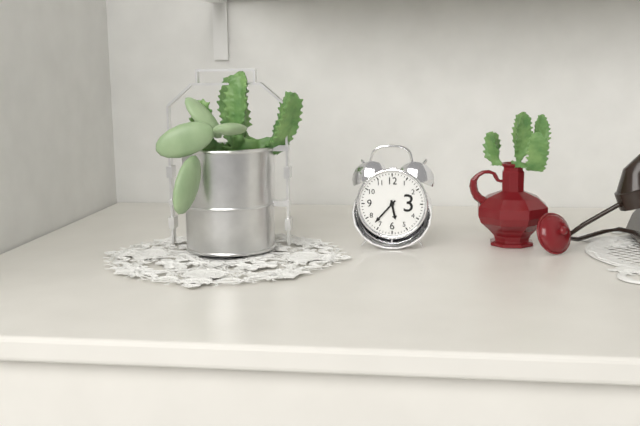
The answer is 5.37
